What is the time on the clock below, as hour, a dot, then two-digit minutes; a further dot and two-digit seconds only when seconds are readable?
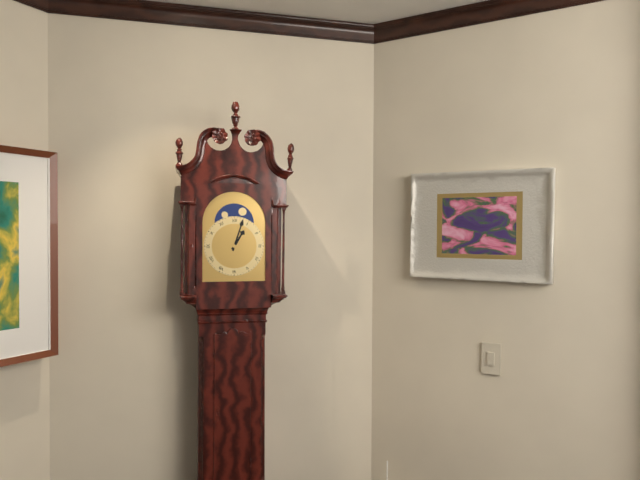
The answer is 1.03
